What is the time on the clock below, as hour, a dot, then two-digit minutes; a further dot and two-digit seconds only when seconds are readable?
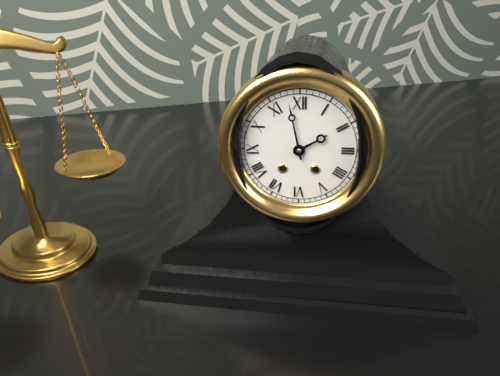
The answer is 1.58
